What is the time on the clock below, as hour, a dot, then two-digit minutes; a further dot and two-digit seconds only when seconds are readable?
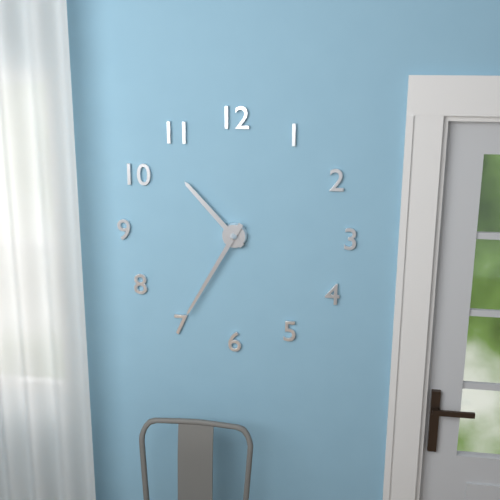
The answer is 10.35
